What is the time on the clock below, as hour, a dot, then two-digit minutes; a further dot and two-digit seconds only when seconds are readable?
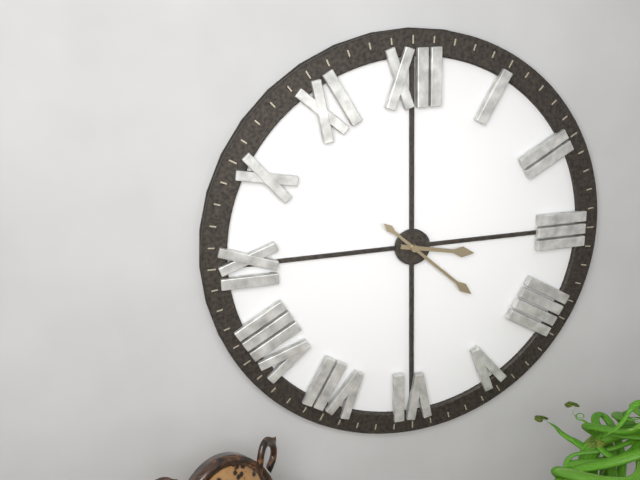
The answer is 3.22
